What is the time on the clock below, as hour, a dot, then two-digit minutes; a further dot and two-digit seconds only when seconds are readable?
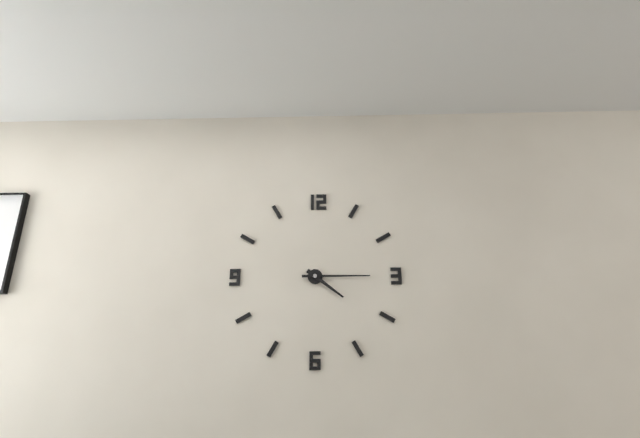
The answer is 4.15
